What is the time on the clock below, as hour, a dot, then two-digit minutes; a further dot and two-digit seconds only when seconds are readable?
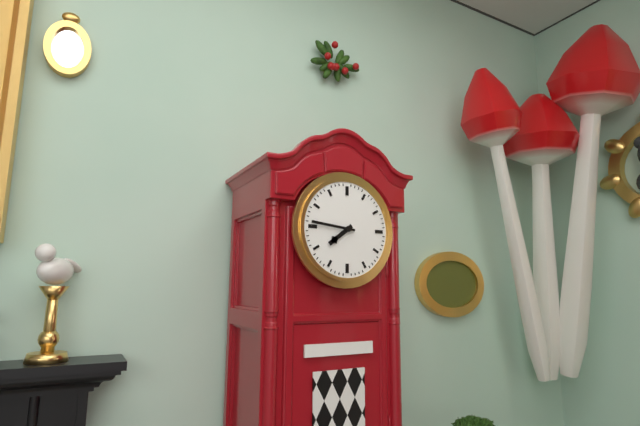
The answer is 7.46
